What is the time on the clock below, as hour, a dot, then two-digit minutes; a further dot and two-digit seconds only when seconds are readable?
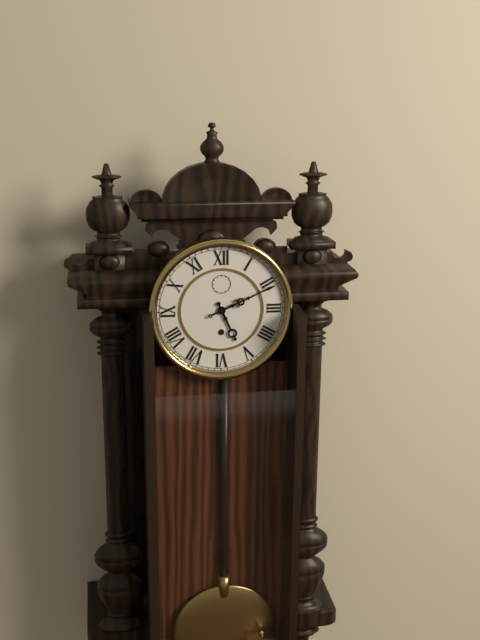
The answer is 5.11
